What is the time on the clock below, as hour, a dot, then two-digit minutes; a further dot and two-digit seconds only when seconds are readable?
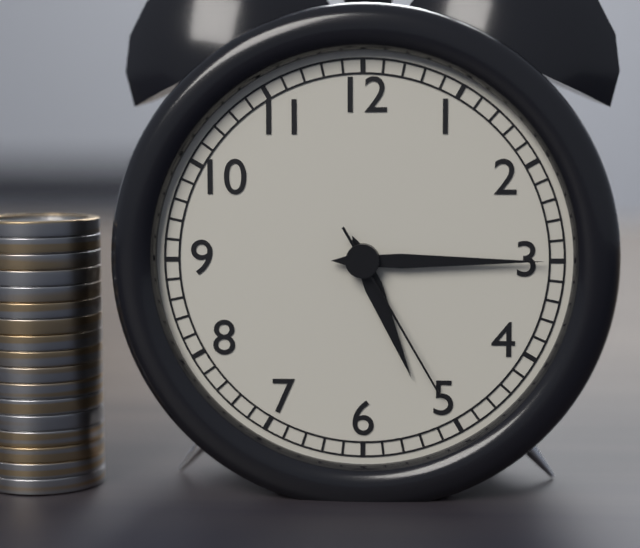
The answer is 5.15.25
